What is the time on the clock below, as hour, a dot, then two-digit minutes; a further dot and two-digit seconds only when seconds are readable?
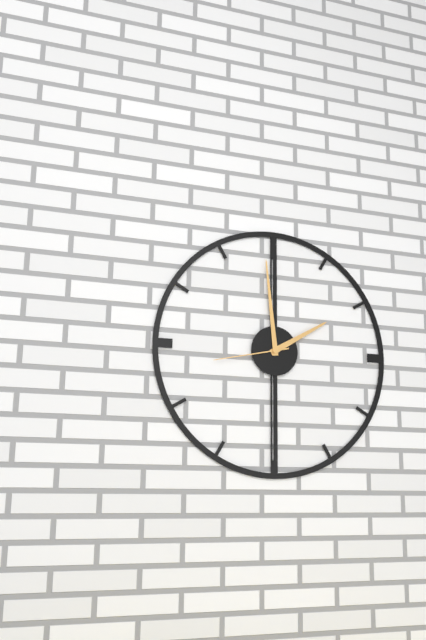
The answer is 1.59.43
